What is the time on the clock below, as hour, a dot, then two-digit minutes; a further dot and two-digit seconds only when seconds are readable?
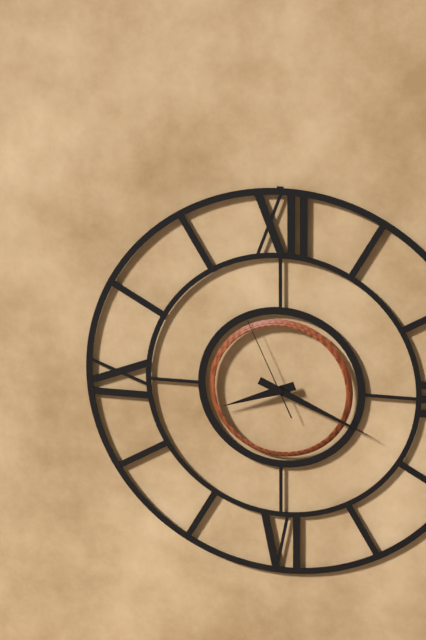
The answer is 8.19.56
